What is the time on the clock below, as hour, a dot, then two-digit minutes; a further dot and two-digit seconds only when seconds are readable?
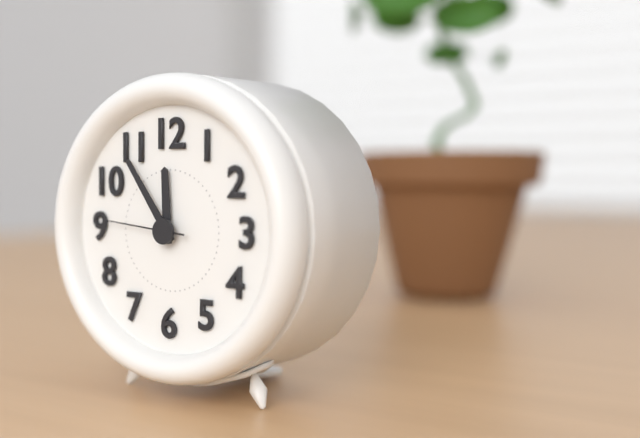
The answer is 11.54.46
